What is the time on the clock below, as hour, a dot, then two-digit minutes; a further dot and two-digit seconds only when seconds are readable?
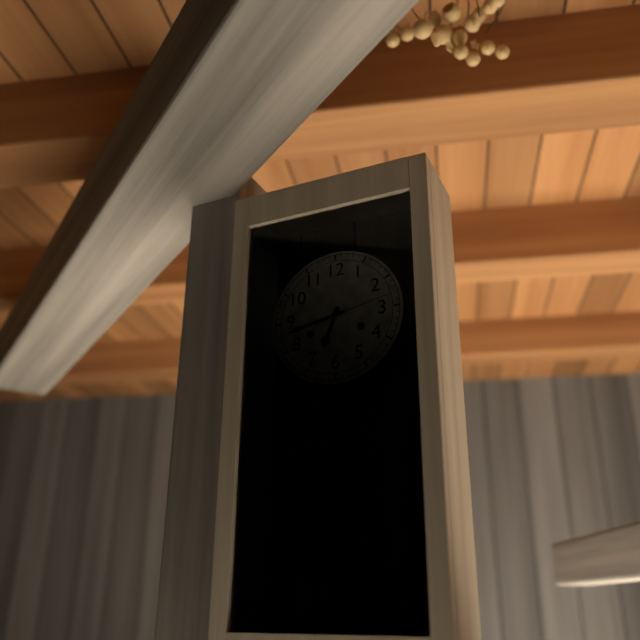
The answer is 6.43.13
